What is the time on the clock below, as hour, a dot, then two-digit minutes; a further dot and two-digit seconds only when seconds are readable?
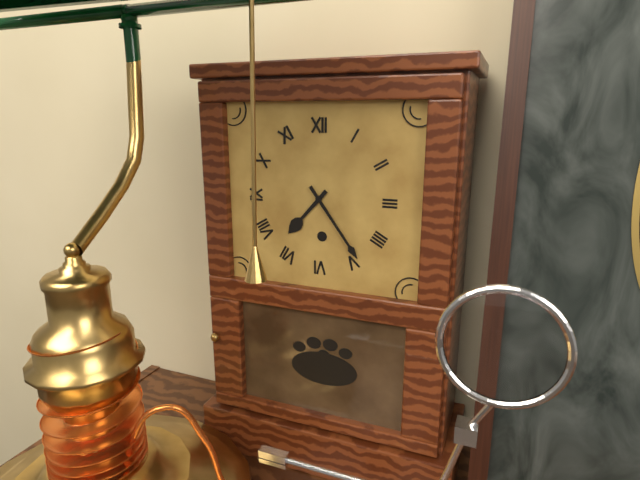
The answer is 7.24
